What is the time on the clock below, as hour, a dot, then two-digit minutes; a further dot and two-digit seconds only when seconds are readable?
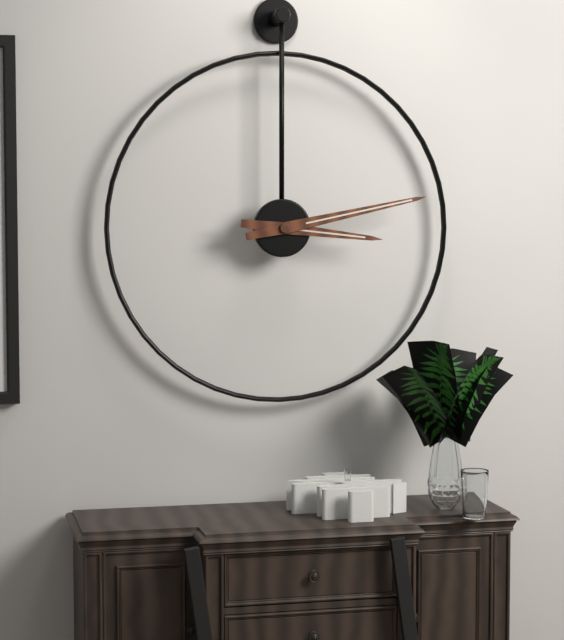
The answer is 3.13
